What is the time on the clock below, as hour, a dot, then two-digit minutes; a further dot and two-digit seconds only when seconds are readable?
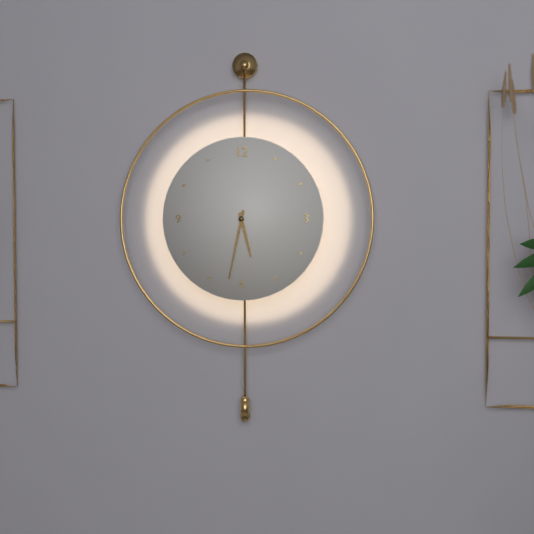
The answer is 5.32
